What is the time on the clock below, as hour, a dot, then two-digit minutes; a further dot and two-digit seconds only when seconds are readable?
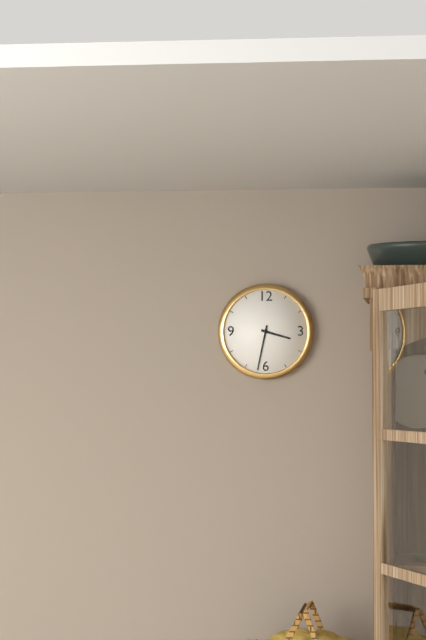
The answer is 3.32
